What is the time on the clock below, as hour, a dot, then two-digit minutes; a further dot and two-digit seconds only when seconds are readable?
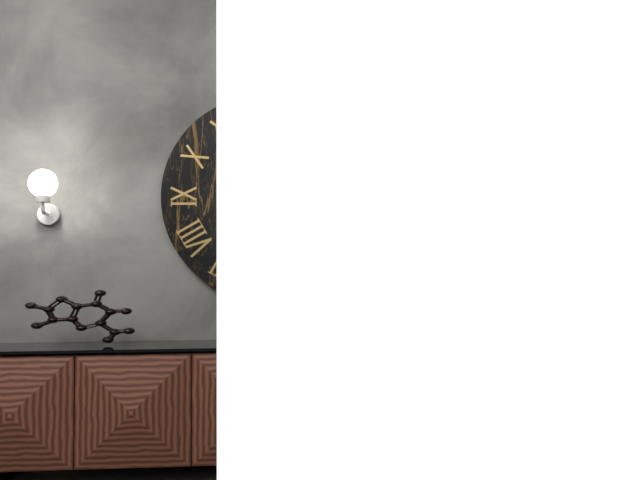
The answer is 8.23
